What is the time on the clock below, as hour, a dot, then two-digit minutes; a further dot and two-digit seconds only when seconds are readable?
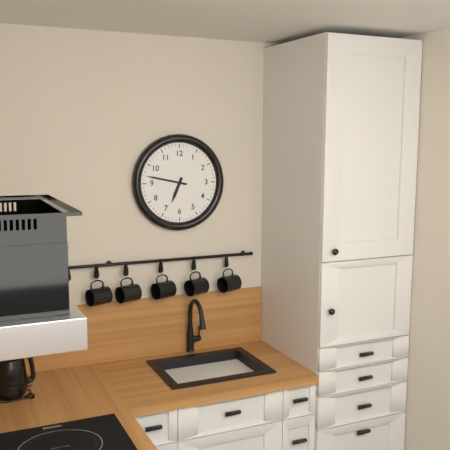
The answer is 6.47
